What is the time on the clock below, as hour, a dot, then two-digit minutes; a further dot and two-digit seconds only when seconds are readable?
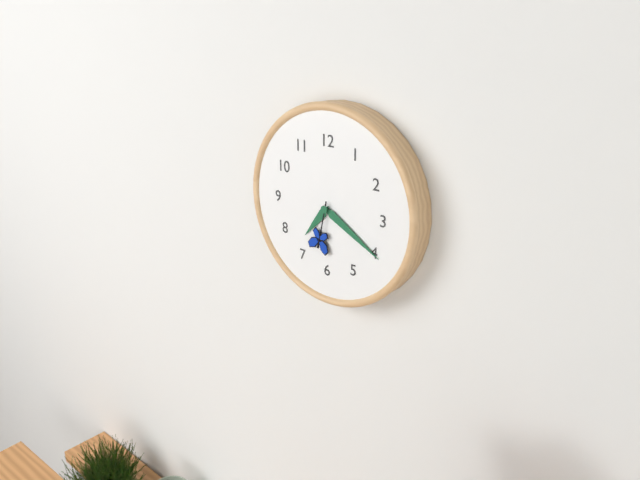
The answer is 7.20.32
